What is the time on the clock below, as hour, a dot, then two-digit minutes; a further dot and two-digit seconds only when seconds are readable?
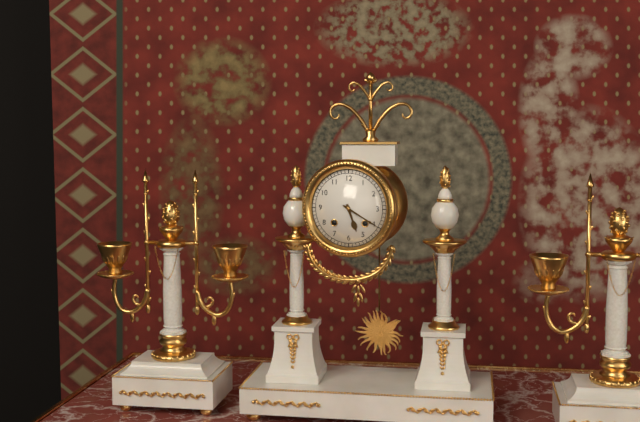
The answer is 5.20
